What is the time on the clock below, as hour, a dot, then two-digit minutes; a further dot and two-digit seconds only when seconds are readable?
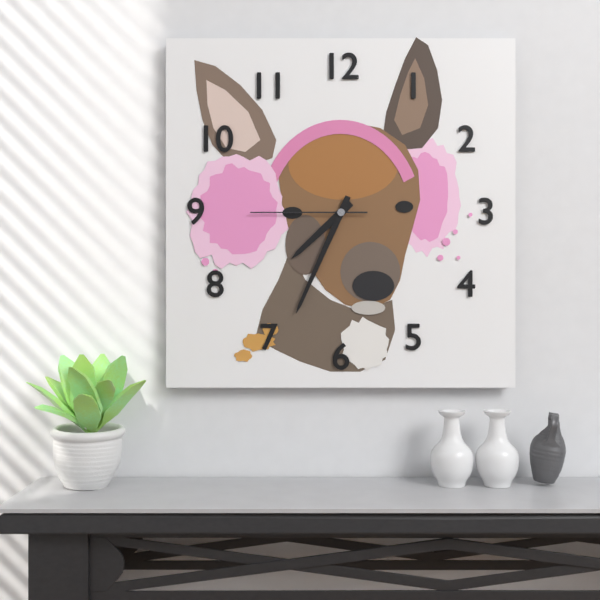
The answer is 7.34.45
